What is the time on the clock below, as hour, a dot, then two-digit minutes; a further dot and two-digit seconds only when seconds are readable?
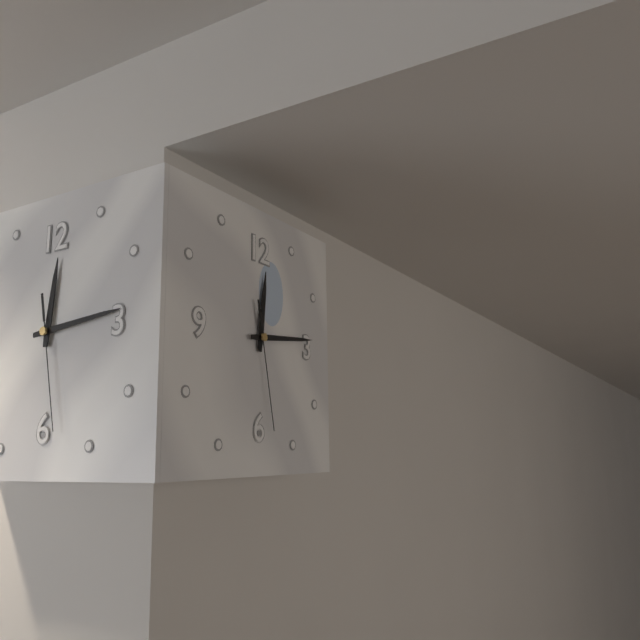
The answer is 12.14.28
